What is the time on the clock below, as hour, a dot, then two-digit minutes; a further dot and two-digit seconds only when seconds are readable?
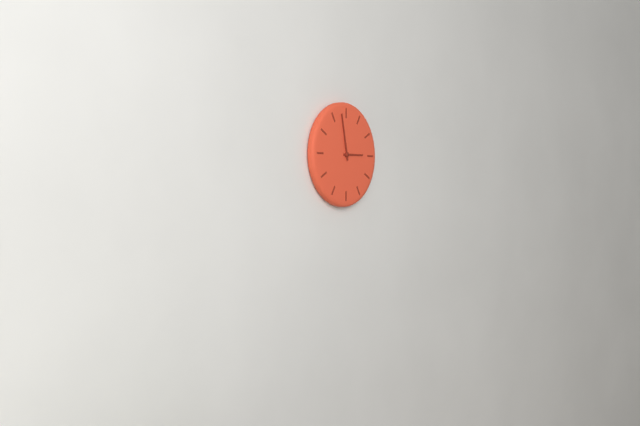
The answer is 2.58
